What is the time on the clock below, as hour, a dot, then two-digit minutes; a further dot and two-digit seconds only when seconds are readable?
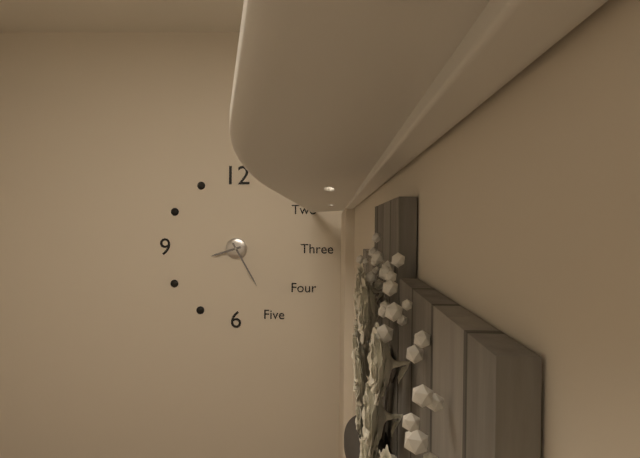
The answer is 8.25
